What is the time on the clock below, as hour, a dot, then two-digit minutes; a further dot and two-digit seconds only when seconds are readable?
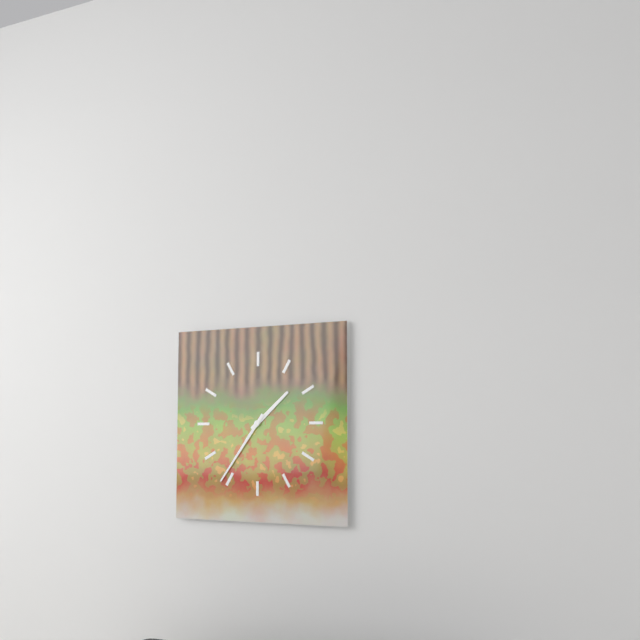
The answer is 1.36
